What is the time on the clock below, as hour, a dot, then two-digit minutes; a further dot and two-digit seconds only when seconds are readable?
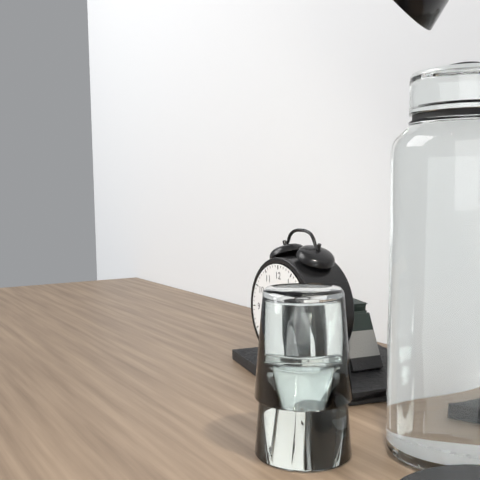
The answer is 10.10
